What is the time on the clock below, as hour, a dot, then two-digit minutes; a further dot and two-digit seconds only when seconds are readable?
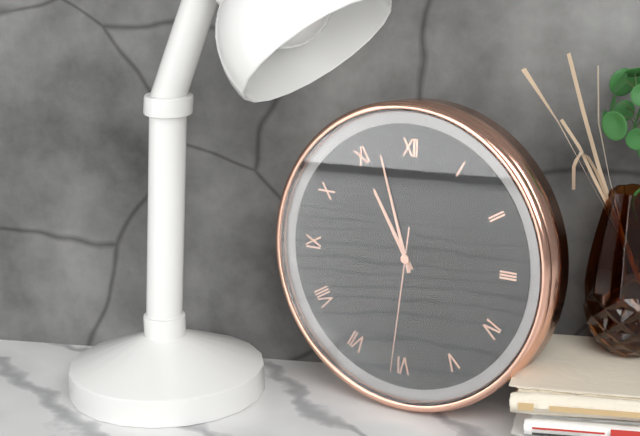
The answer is 10.57.31
